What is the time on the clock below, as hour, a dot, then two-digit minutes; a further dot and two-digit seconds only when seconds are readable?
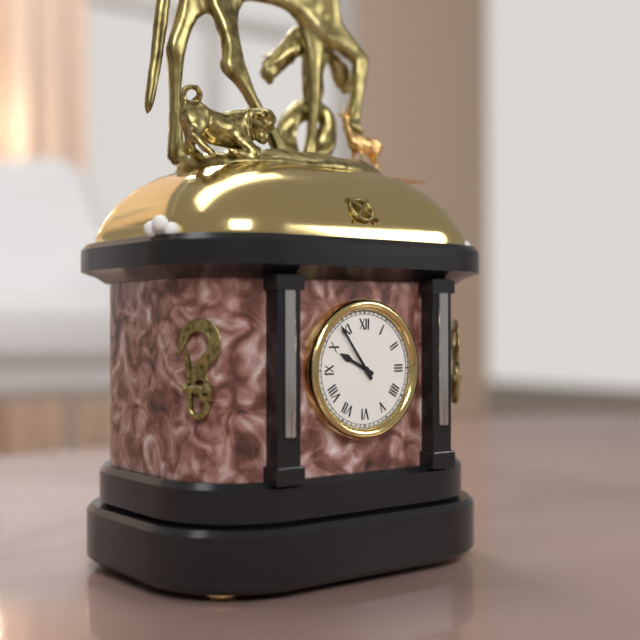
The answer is 9.54
